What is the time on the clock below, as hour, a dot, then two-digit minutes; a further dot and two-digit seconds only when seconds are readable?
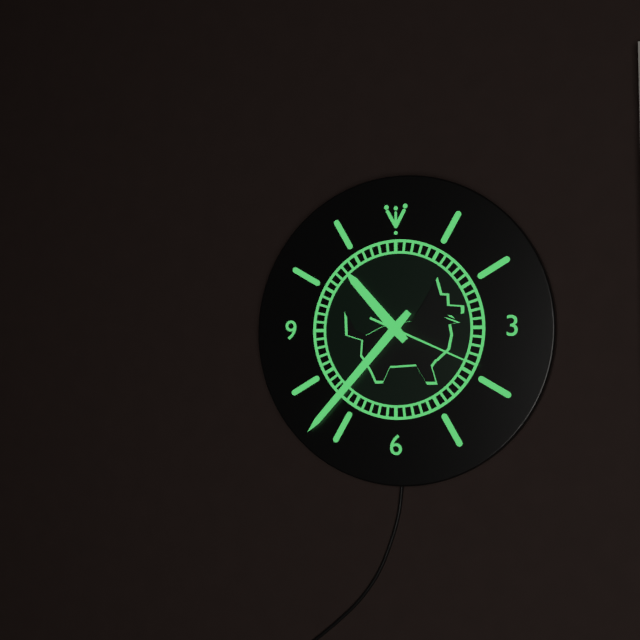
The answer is 10.37.19
